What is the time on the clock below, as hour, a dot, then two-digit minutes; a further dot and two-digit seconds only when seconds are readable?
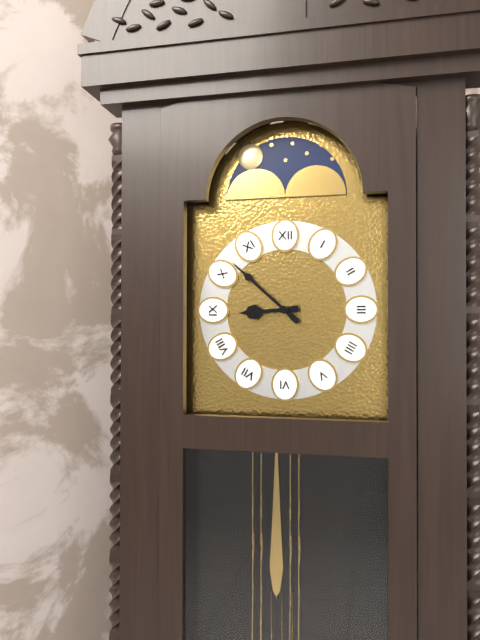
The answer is 8.52
